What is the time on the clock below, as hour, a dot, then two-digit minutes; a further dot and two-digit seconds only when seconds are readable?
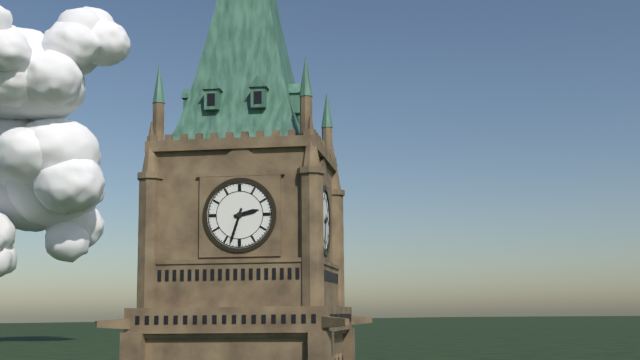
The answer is 2.33
